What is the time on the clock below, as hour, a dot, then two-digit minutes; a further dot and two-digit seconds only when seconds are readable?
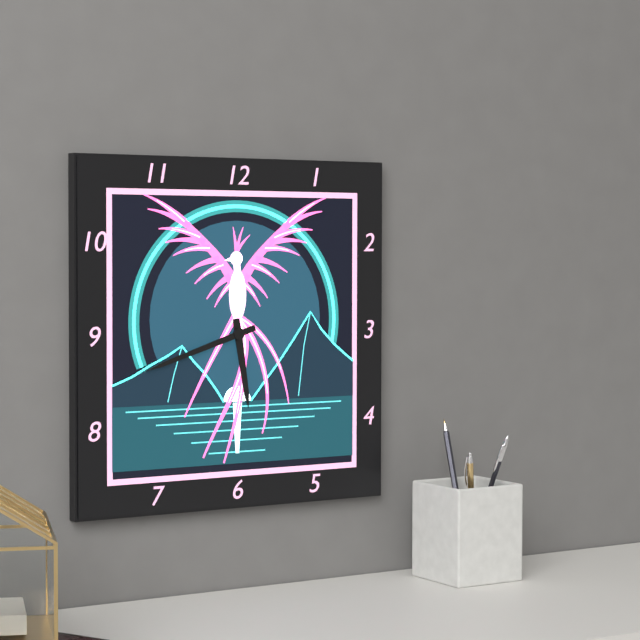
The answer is 5.42
